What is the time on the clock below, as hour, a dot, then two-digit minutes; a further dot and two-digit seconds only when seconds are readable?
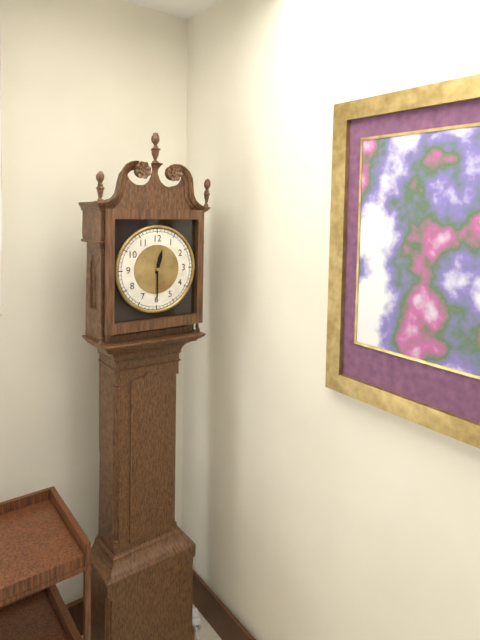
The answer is 12.30
